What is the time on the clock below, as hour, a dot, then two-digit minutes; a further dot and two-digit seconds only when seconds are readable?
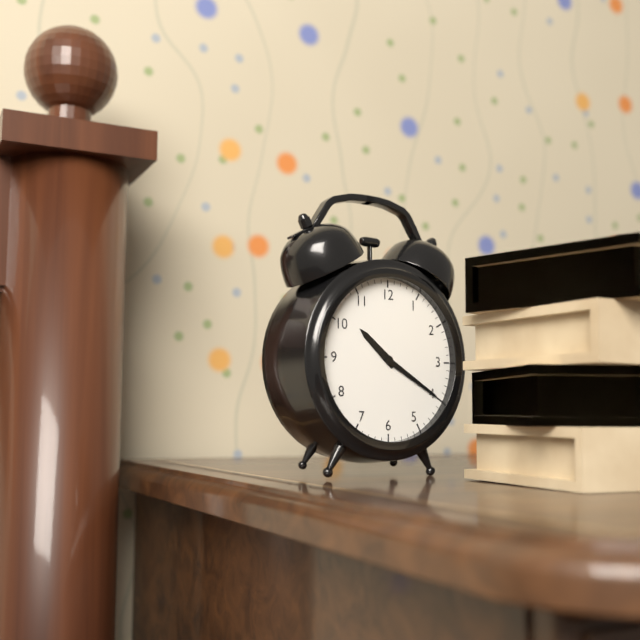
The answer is 10.20
